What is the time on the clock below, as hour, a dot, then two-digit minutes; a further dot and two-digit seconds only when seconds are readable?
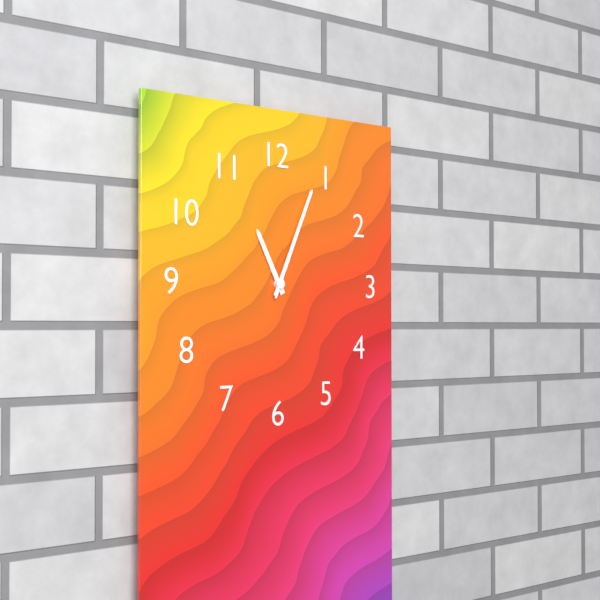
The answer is 11.04.04
